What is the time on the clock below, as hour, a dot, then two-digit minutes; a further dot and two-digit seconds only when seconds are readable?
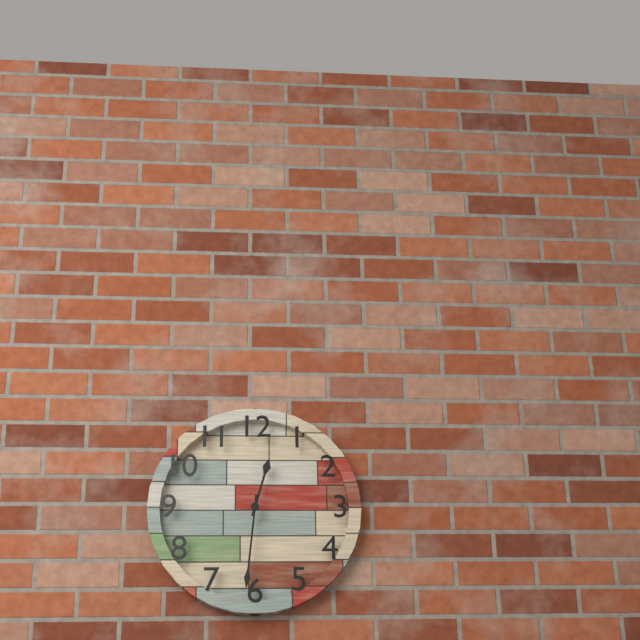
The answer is 12.31
